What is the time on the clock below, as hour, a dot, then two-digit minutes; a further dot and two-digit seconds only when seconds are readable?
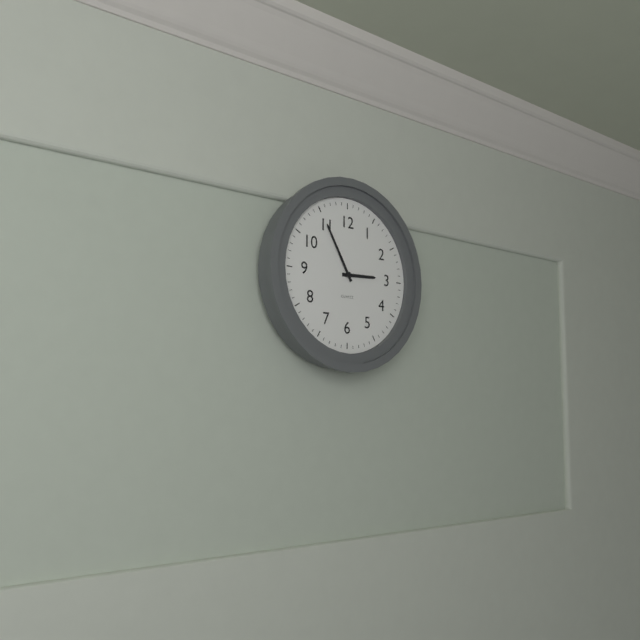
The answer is 2.55
